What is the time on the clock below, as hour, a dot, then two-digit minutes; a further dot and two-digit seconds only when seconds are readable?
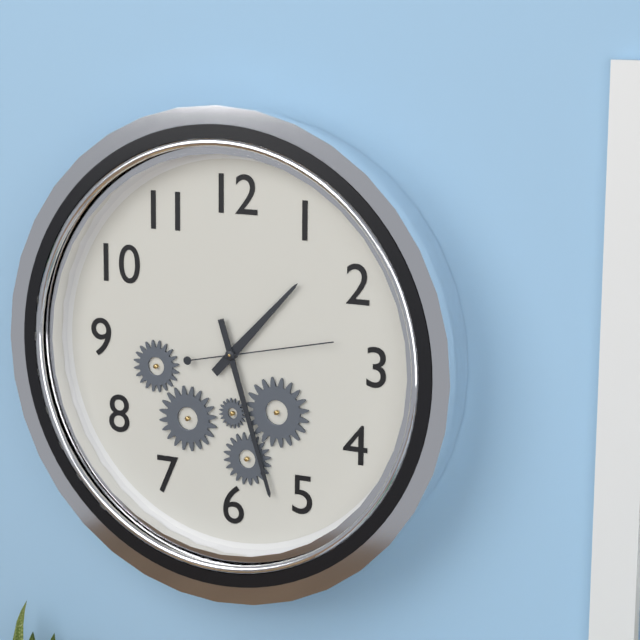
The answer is 1.27.13
